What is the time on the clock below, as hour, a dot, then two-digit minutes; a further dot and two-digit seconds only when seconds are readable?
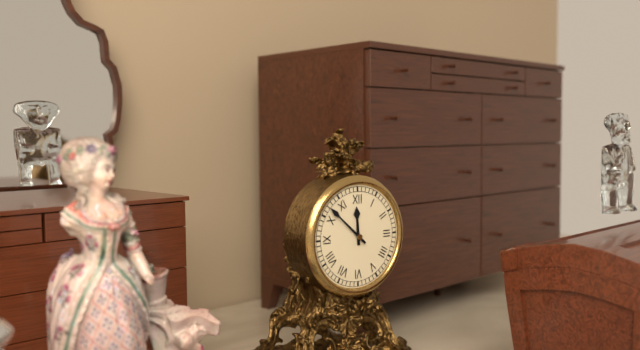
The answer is 11.52
